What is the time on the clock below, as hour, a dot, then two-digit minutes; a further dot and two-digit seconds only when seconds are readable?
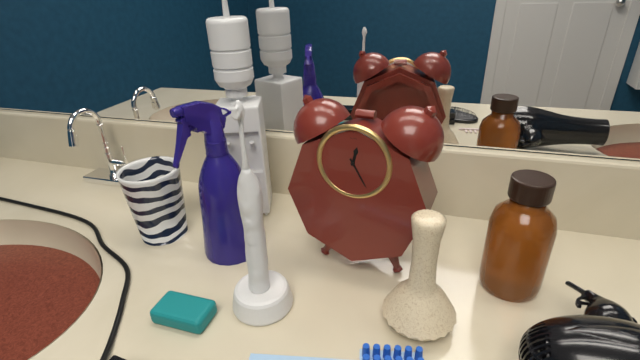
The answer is 12.25
